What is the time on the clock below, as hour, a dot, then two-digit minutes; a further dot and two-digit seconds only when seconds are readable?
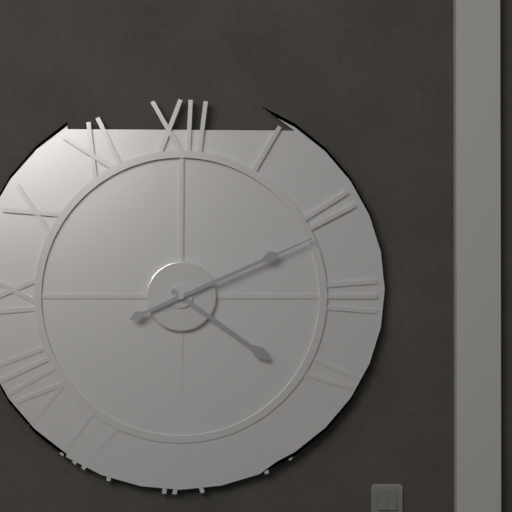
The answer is 4.11
